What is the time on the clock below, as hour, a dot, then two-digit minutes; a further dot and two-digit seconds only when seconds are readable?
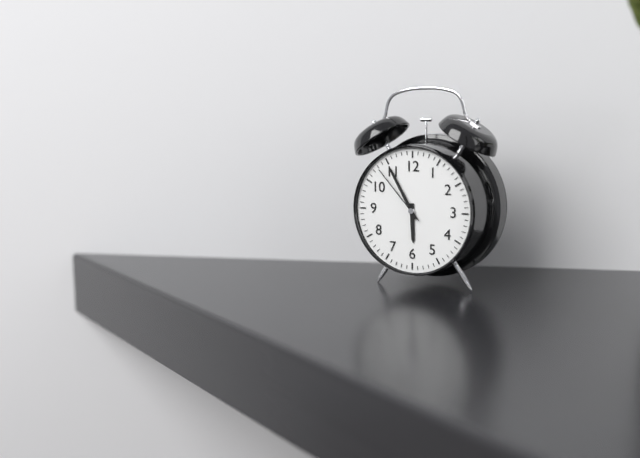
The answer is 5.55.53
